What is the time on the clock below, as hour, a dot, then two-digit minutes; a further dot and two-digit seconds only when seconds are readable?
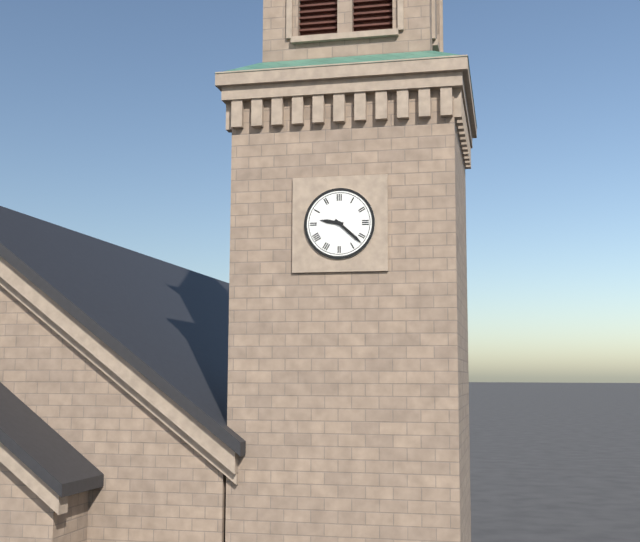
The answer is 9.22
